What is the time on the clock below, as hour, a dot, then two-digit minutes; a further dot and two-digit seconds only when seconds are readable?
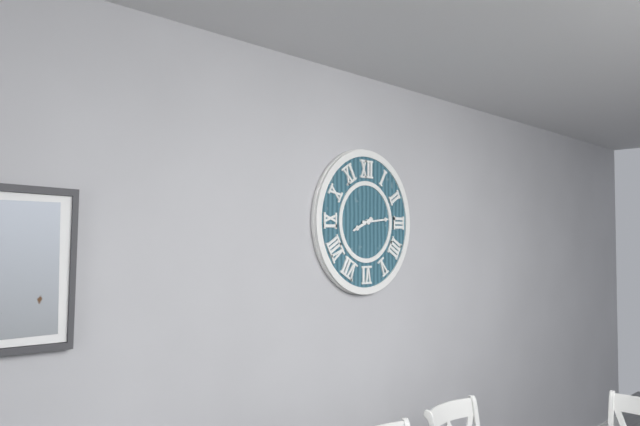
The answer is 8.14
